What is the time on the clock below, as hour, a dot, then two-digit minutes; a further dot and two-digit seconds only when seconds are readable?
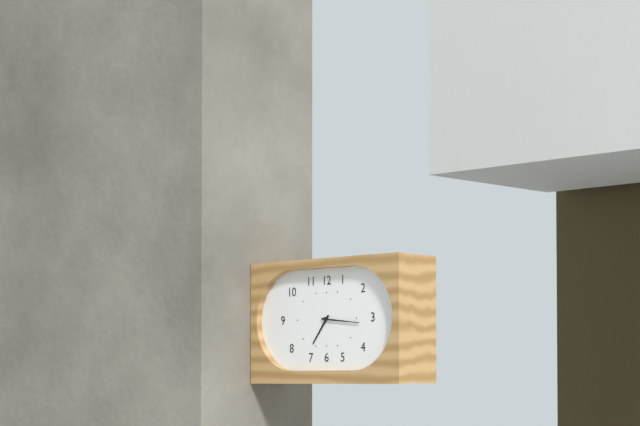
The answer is 7.16
